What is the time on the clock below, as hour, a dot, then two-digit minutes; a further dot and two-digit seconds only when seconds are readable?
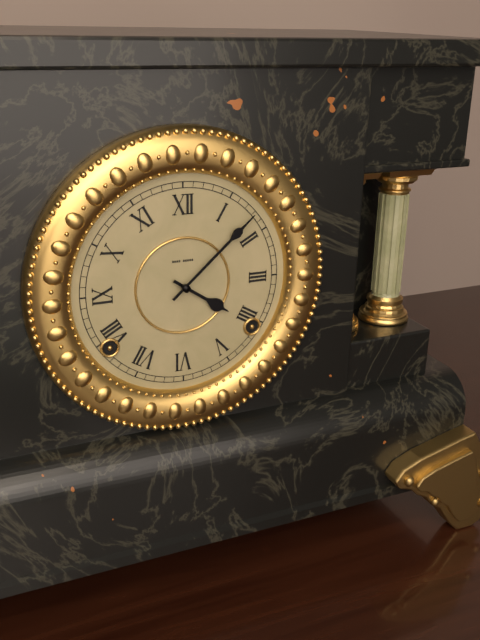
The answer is 4.08
